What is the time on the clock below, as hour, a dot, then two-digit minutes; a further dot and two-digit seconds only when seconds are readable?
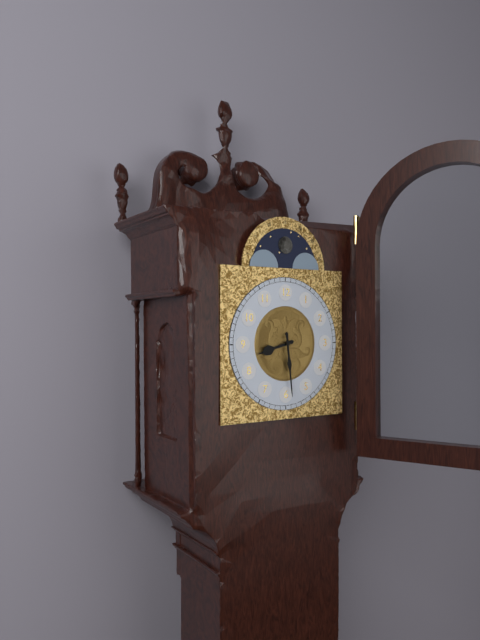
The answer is 8.29
